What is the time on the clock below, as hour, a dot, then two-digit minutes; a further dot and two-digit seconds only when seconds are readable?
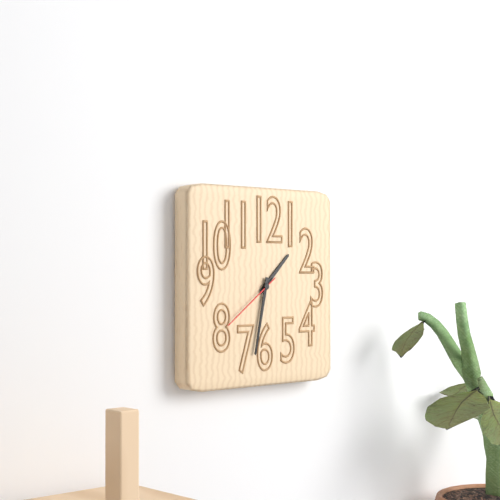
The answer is 1.32.39
